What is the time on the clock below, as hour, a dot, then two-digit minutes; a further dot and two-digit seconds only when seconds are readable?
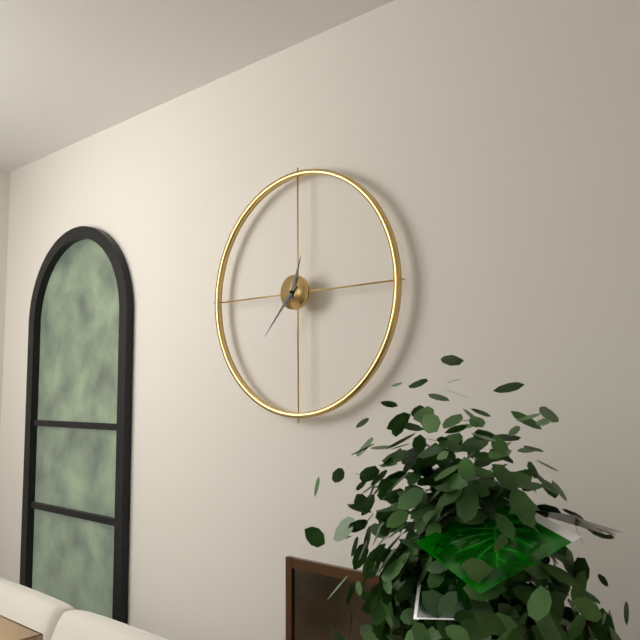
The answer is 12.37
